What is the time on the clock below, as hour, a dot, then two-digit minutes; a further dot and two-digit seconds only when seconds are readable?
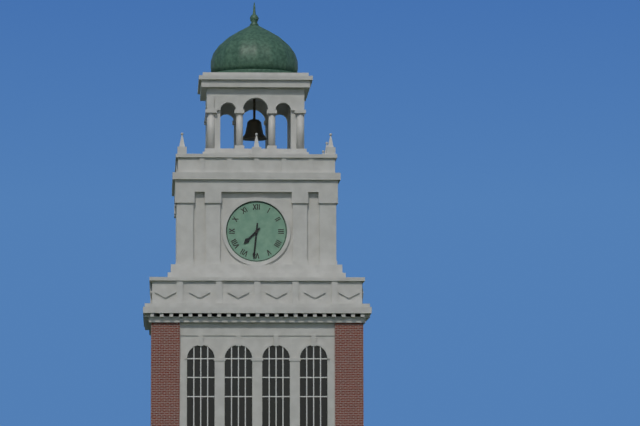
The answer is 7.31
